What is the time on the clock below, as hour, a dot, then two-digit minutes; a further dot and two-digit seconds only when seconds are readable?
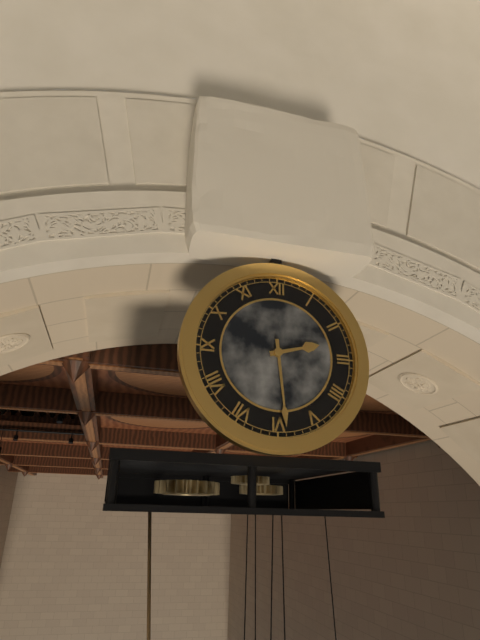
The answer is 2.29
